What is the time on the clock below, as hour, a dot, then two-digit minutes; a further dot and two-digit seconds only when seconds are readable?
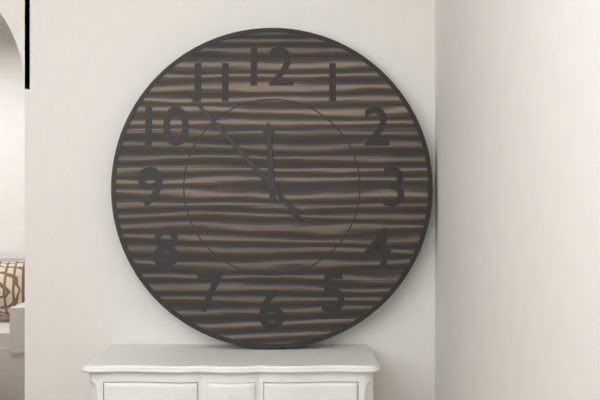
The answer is 11.53
